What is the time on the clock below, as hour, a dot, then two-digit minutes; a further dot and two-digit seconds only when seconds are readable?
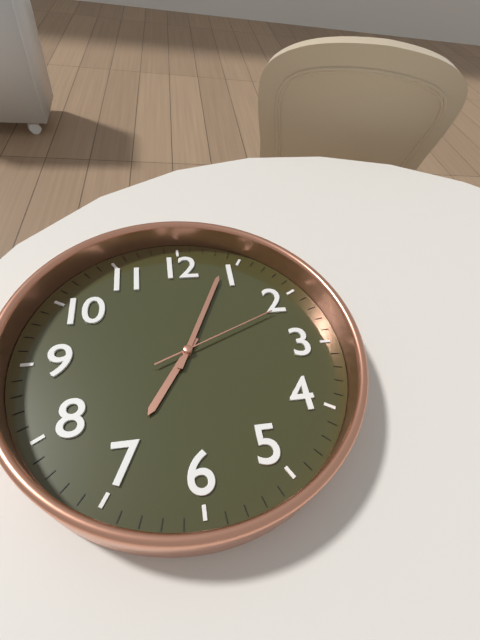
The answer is 7.04.11
